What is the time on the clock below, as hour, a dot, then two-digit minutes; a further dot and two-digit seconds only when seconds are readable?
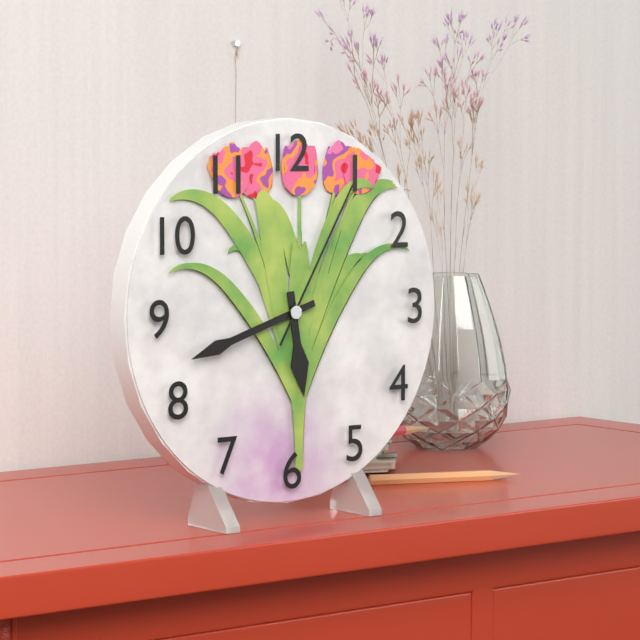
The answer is 5.42.05
